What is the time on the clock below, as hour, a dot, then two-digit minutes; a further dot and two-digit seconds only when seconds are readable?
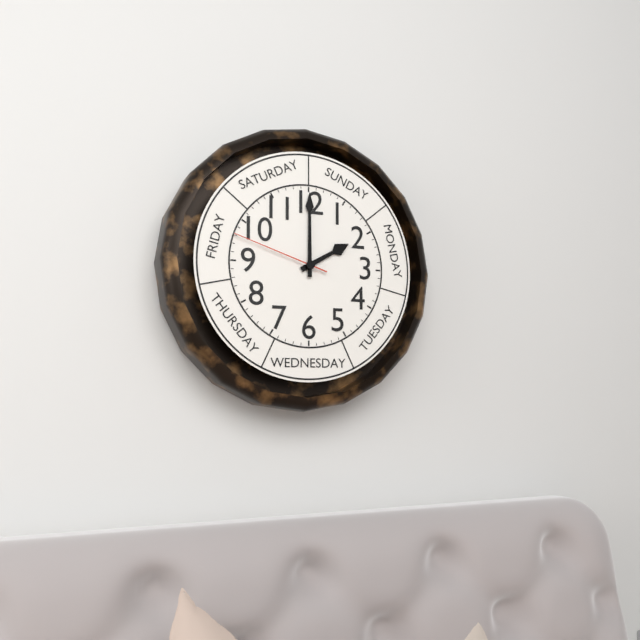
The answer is 2.00.48
